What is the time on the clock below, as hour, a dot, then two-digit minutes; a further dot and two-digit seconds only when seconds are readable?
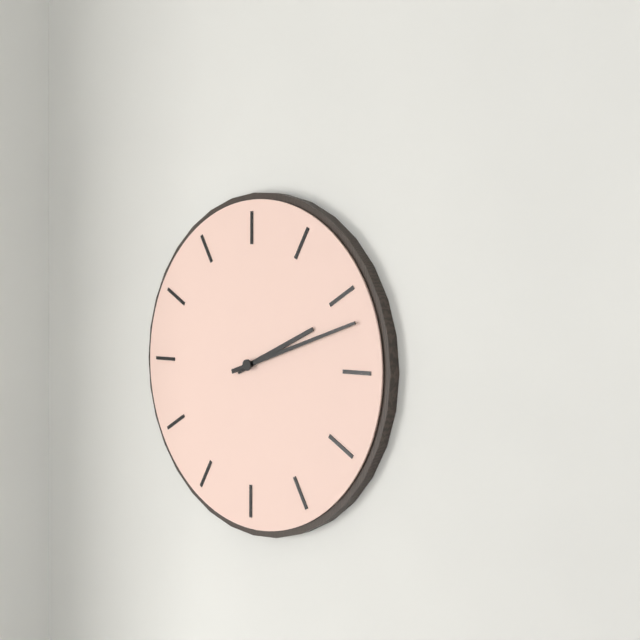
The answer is 2.12
